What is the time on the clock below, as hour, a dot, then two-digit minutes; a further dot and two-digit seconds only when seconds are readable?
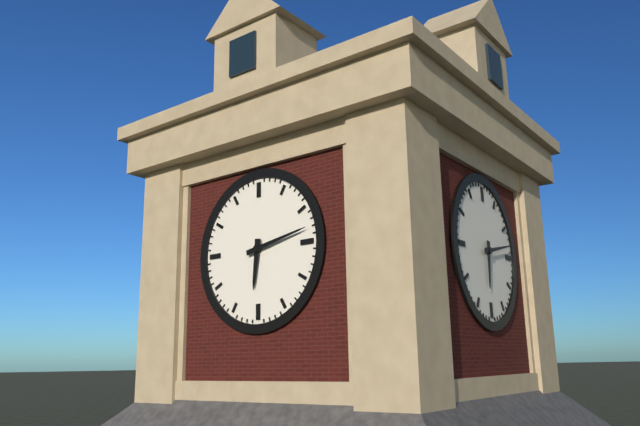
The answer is 6.13
